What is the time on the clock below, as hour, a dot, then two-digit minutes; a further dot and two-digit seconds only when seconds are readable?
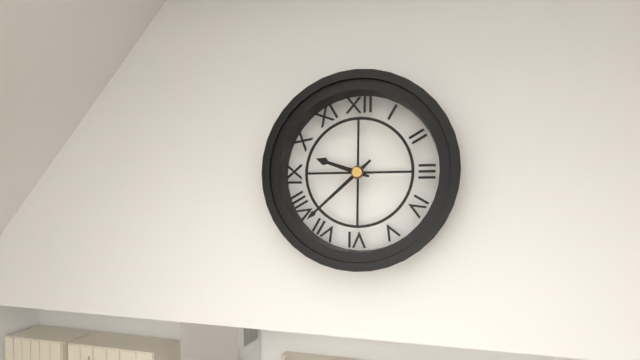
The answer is 9.38
